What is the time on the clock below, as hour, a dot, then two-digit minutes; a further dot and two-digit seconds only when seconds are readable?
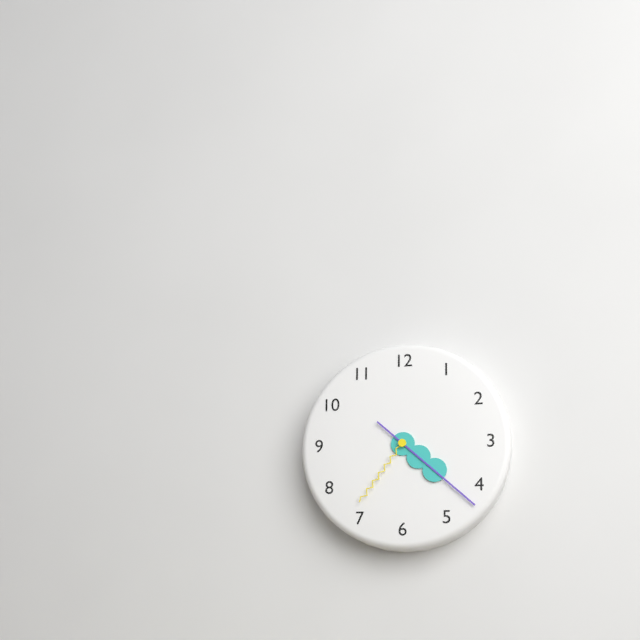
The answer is 4.22.36
